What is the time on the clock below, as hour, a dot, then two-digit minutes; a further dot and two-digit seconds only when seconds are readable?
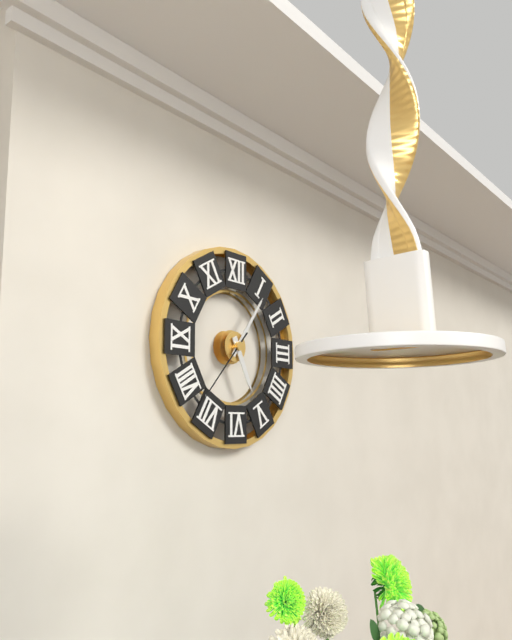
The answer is 5.06.37
